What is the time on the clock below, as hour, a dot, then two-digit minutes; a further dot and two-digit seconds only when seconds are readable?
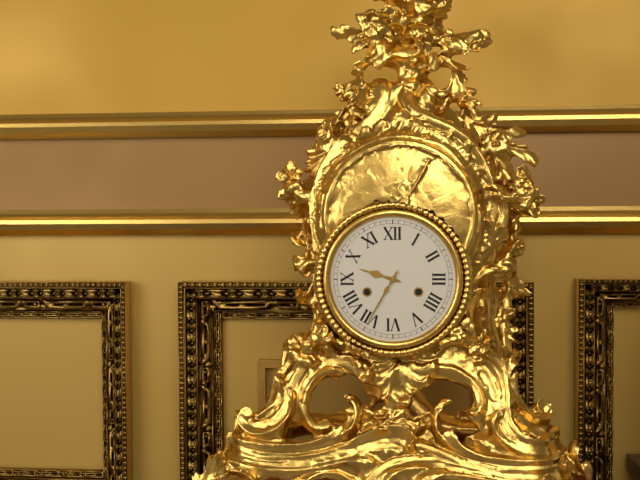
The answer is 9.35
